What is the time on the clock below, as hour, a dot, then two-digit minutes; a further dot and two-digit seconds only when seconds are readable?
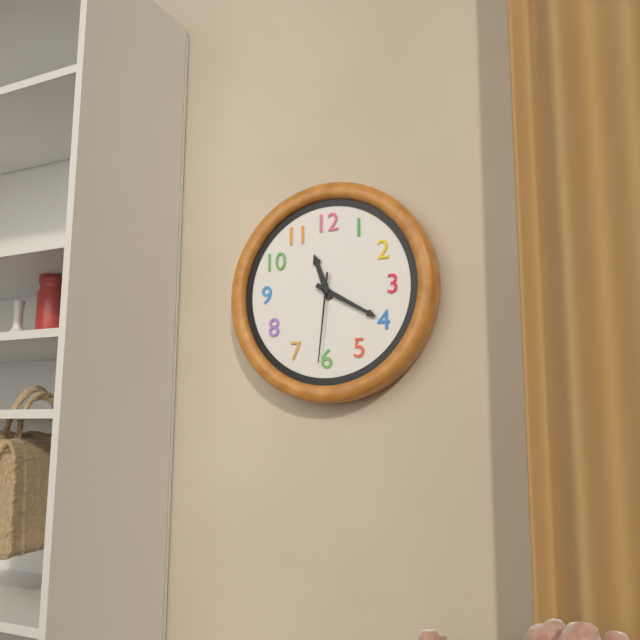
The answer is 11.20.31
